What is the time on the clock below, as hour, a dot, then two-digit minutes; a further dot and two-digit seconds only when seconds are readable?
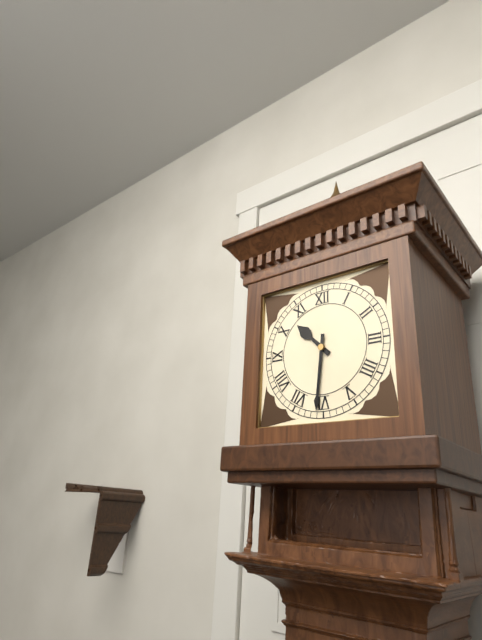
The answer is 10.31
